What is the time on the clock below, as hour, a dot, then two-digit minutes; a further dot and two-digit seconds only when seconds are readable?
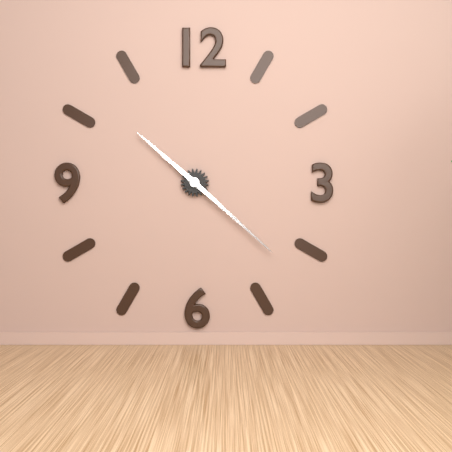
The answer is 10.22
